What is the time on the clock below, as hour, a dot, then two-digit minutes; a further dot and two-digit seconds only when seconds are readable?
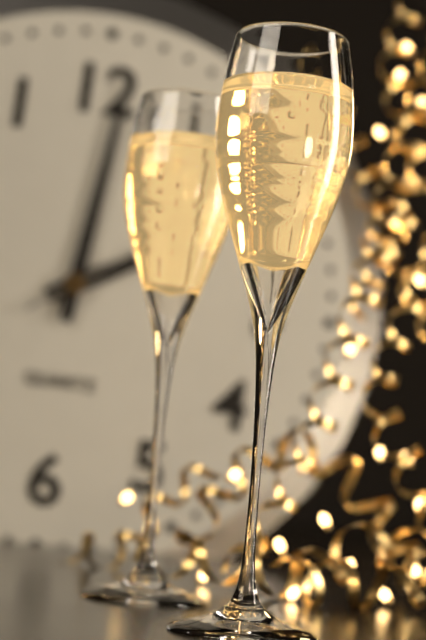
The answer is 2.01.09
